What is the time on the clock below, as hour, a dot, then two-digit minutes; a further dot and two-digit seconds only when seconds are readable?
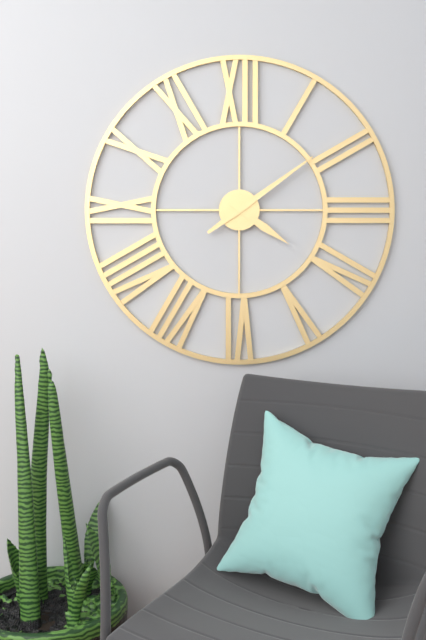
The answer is 4.09
